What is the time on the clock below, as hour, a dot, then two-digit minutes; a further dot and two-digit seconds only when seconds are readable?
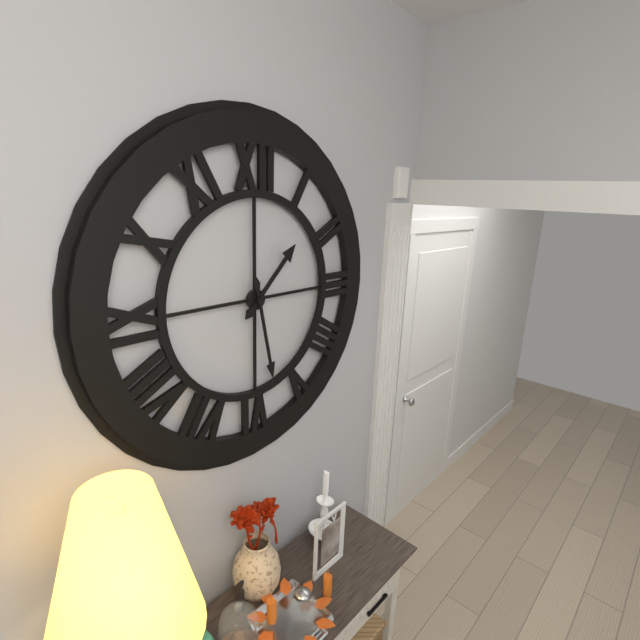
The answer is 1.28
